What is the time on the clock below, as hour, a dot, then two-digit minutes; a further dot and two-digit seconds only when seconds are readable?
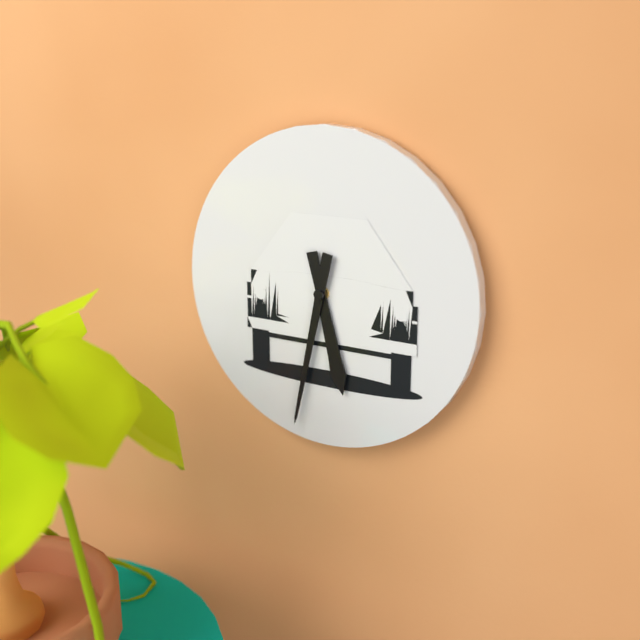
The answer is 5.32
